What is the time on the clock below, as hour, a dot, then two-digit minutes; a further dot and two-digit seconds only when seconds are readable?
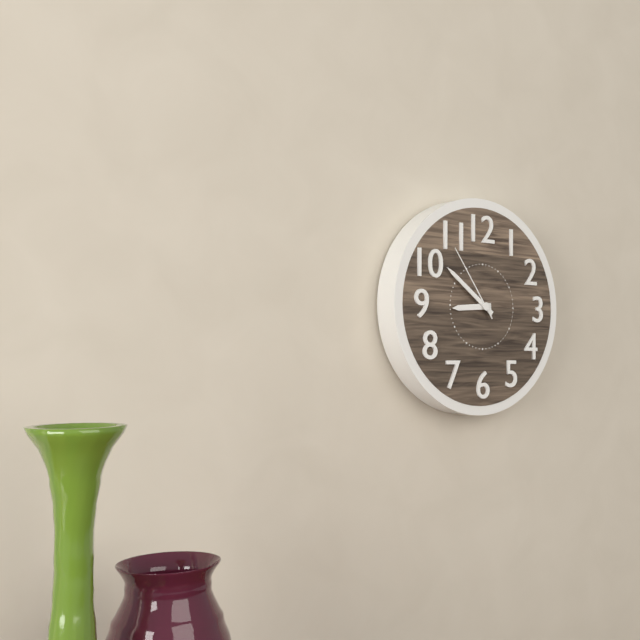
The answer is 8.51.54
